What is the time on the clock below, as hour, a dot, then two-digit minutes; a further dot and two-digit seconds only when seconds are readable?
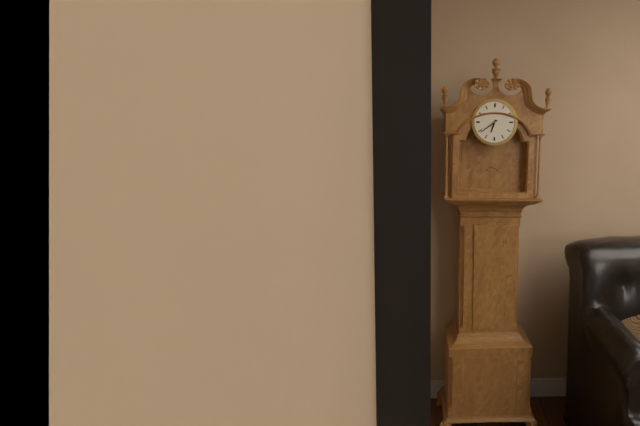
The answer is 6.39
